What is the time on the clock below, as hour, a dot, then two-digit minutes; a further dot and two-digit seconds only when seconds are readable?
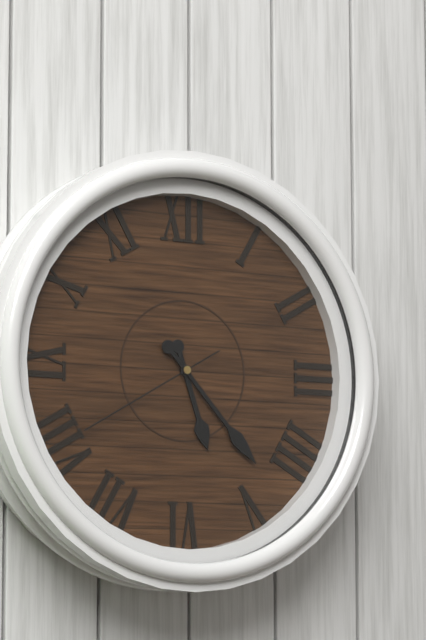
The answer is 5.23.40
